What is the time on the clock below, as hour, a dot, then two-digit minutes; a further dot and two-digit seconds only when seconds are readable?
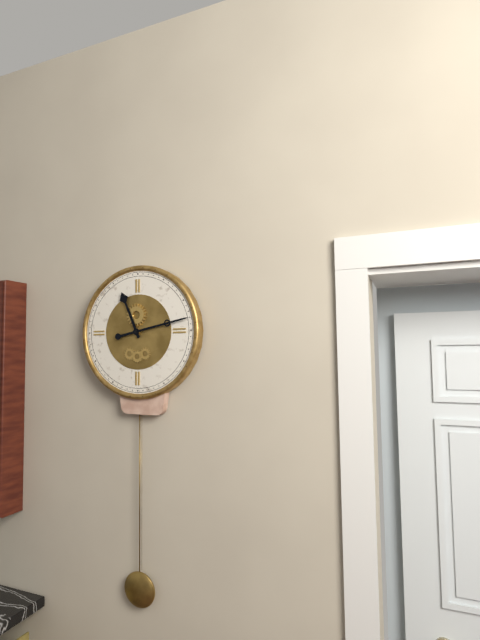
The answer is 11.13
